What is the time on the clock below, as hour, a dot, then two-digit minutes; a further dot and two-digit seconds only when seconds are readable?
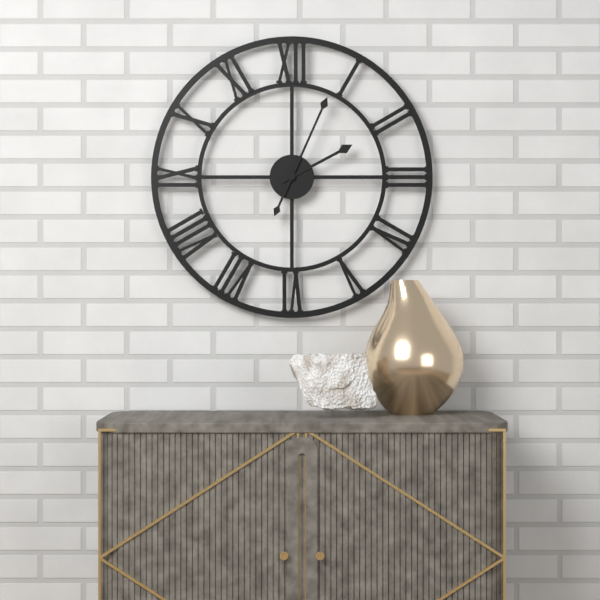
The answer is 2.04
